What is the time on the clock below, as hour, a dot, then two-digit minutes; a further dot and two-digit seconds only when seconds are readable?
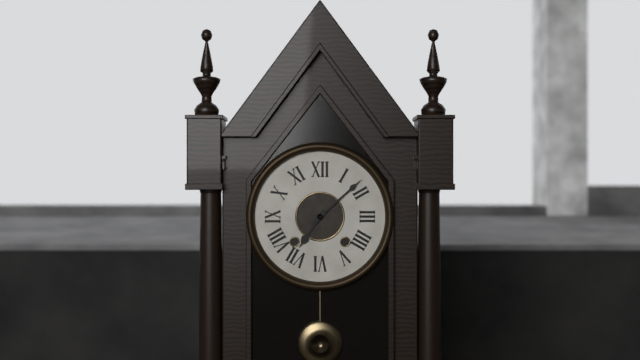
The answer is 7.08
